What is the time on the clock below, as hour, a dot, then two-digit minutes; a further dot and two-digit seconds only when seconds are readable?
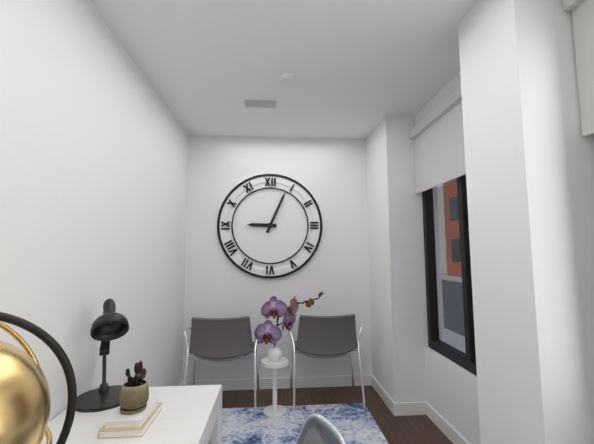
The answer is 9.04
